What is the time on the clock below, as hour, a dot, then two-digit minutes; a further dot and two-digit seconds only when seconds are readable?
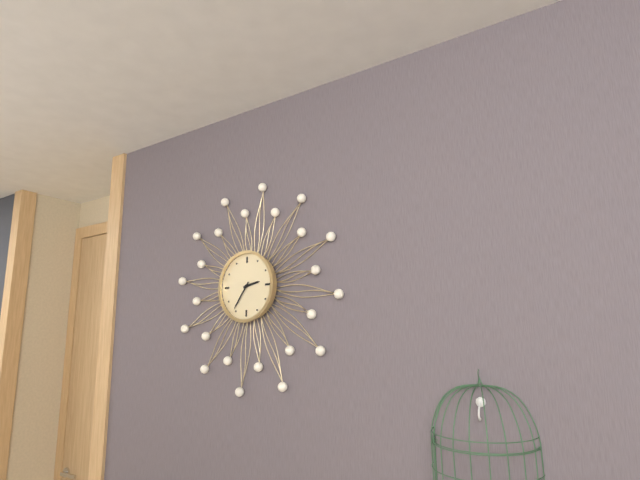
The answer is 2.36
